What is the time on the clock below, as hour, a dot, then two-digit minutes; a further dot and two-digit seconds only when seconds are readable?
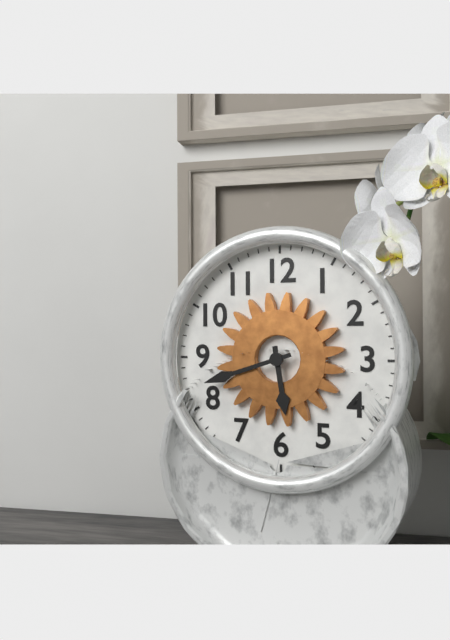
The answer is 5.42
